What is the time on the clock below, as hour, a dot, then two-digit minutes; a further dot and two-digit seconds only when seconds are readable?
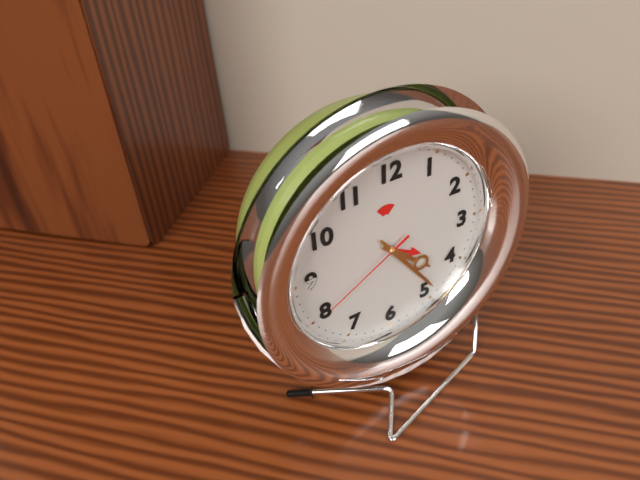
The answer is 4.24.40
